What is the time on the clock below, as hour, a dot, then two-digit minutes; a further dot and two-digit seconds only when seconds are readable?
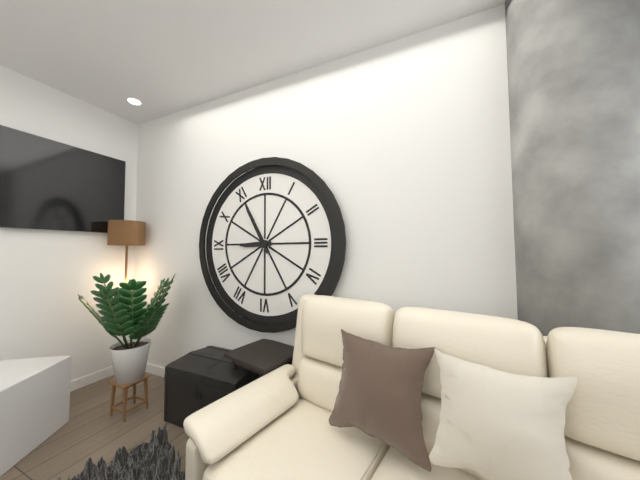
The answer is 8.55
